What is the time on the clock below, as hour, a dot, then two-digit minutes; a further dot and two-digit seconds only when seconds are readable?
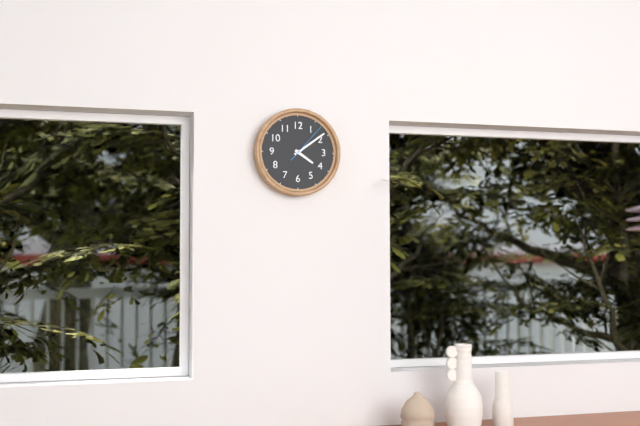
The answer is 4.09
